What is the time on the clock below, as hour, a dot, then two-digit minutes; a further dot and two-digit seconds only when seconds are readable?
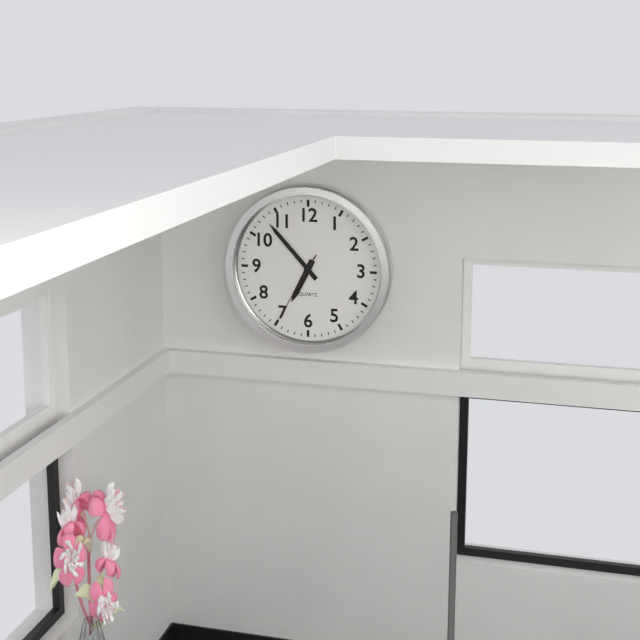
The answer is 6.53.35
